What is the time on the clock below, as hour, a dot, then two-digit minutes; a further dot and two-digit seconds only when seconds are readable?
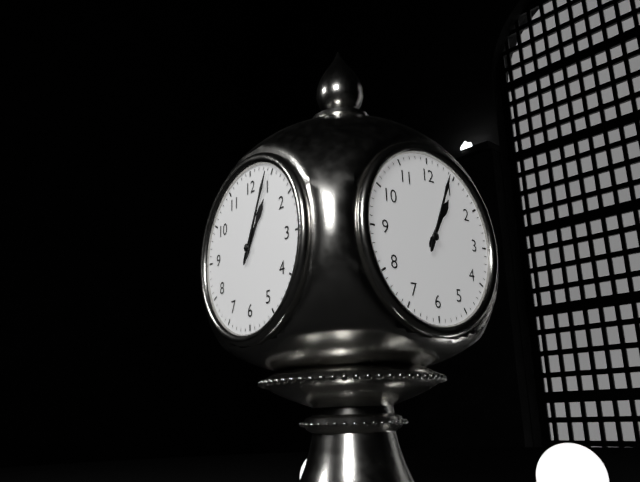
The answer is 1.04
